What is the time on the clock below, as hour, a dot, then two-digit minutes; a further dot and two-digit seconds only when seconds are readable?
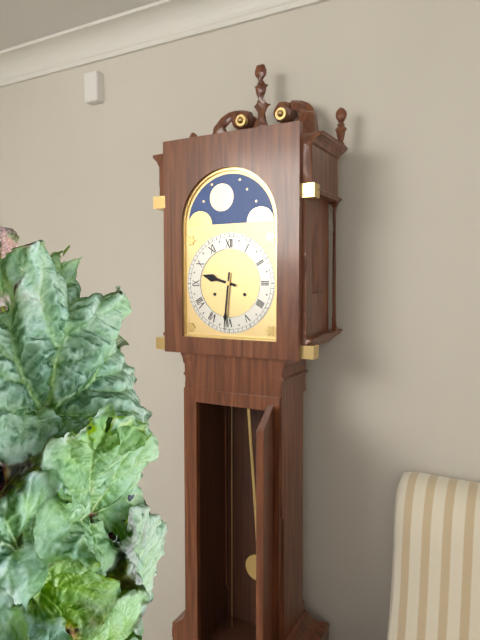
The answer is 9.31
